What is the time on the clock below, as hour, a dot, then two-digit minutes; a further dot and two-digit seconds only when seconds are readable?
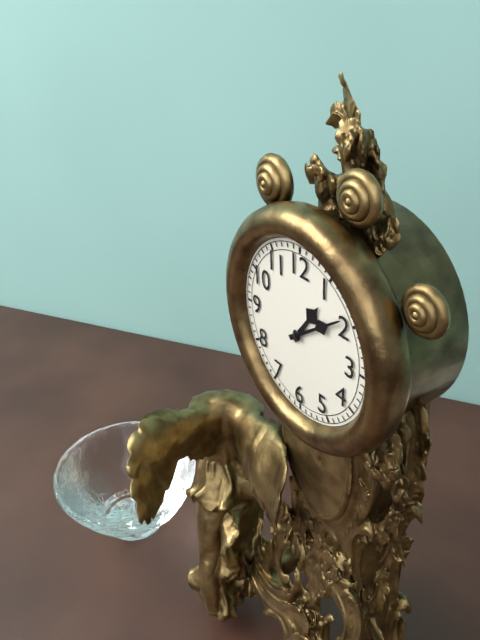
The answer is 1.09
